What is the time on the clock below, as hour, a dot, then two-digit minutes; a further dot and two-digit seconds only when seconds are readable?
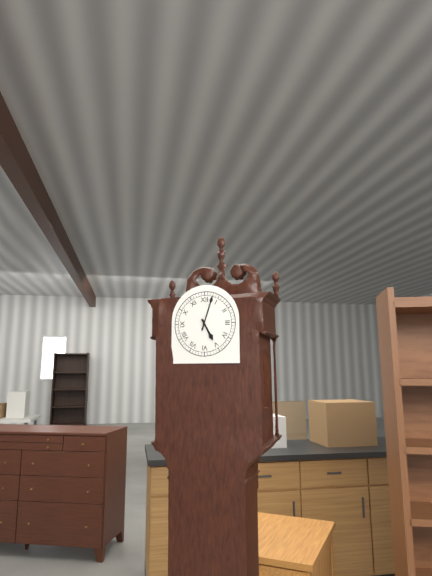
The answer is 5.03
